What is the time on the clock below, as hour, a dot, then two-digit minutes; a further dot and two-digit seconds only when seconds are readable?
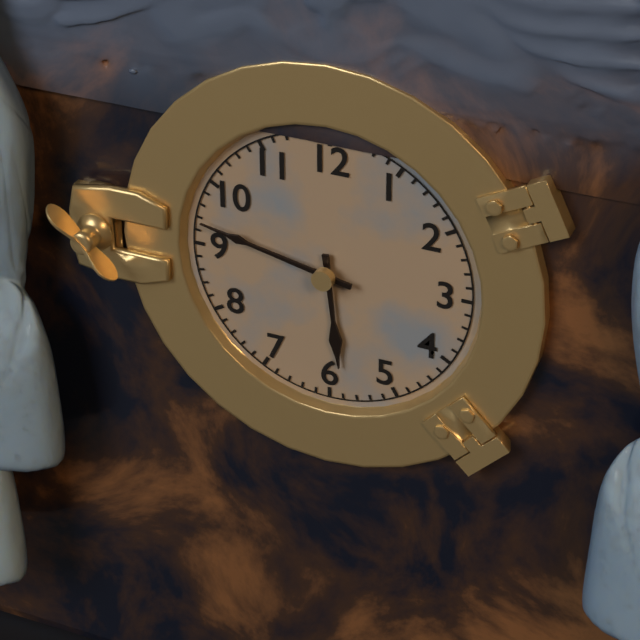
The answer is 5.47
